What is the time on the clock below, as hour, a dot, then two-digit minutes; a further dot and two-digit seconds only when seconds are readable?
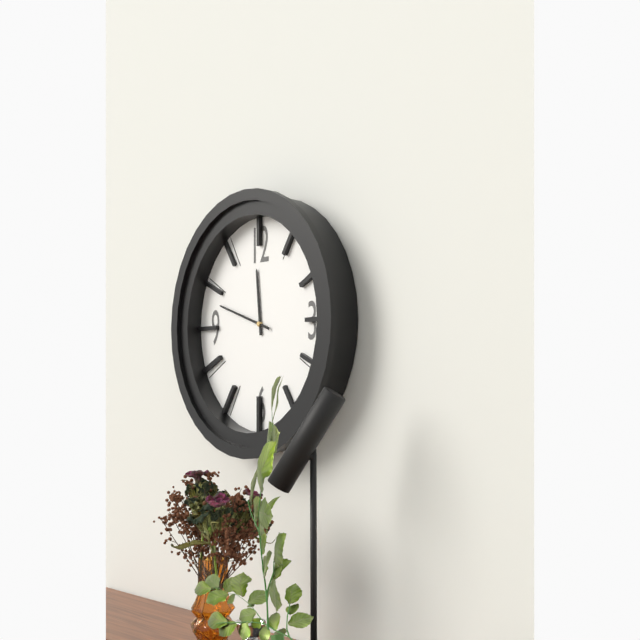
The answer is 11.48
